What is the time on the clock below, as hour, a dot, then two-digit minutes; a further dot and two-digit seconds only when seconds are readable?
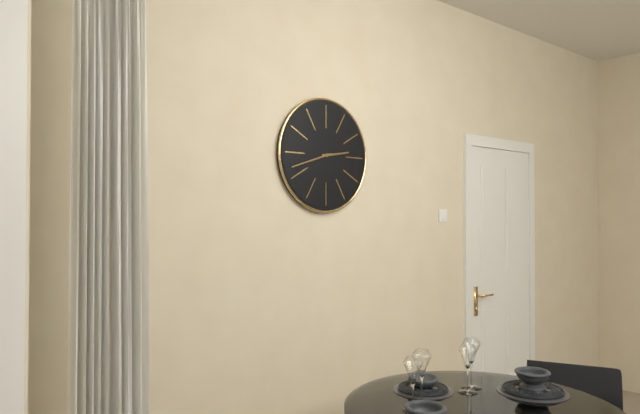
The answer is 2.42
